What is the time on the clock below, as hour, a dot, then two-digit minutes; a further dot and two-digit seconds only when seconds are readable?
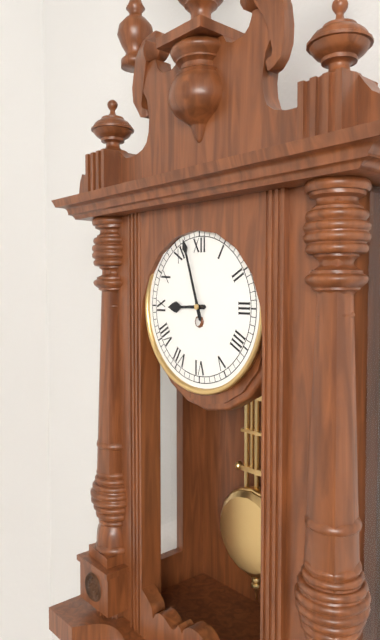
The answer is 8.57
